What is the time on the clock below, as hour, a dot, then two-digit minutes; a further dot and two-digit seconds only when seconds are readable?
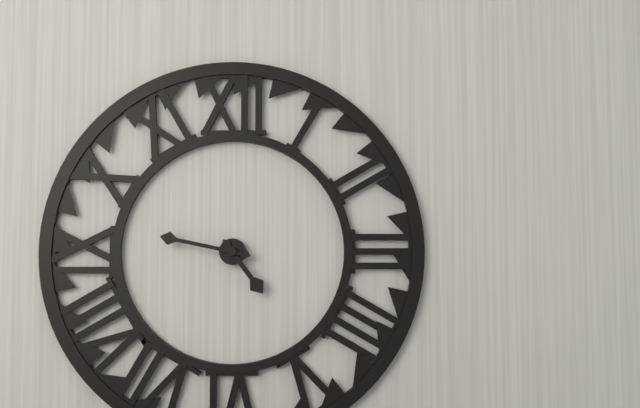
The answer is 4.47
